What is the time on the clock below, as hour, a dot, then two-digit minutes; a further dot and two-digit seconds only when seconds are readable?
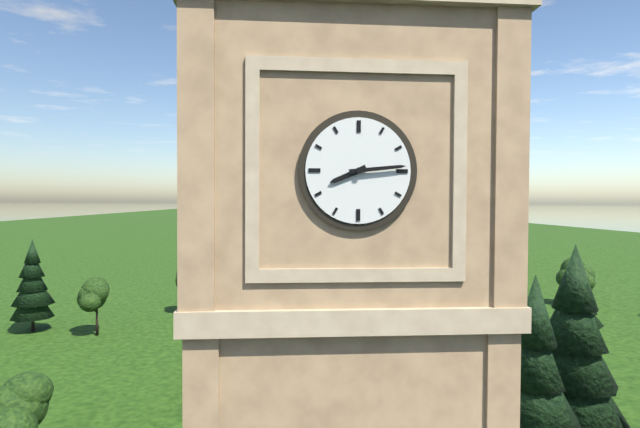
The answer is 8.14
